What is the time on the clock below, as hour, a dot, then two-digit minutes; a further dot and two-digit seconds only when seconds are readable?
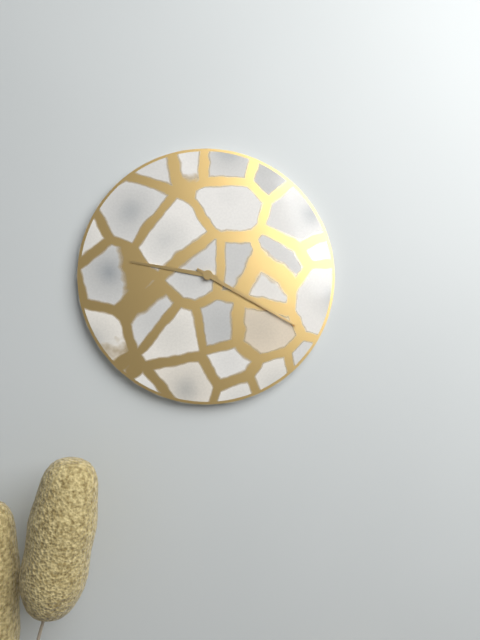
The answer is 9.20
